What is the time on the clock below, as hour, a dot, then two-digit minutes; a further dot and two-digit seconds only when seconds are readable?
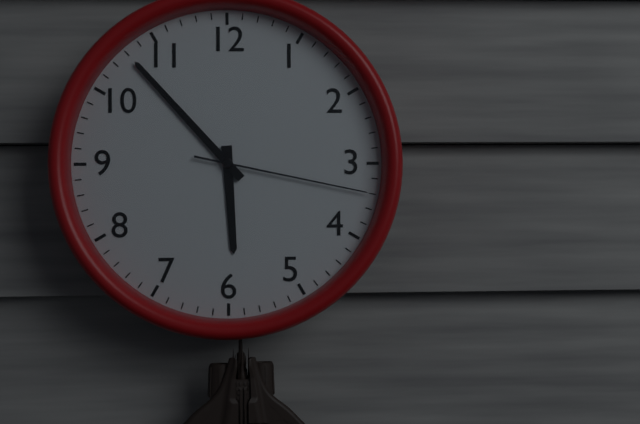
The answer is 5.53.17
